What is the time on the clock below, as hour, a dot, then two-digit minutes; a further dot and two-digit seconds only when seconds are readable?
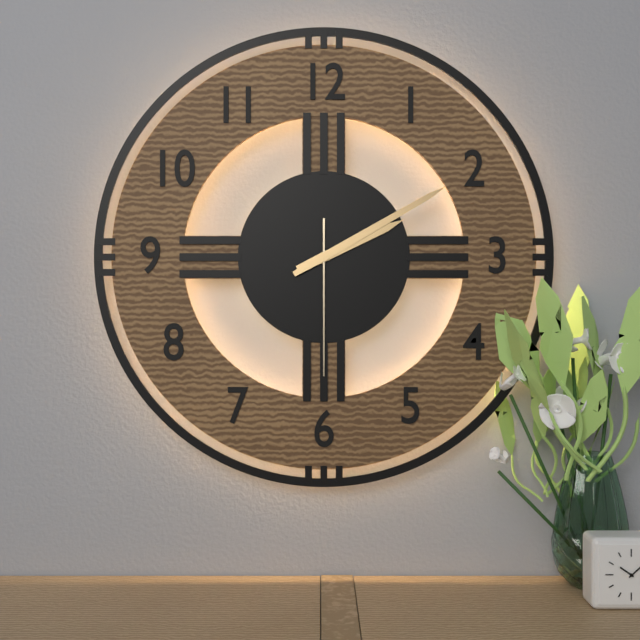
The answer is 2.10.30
